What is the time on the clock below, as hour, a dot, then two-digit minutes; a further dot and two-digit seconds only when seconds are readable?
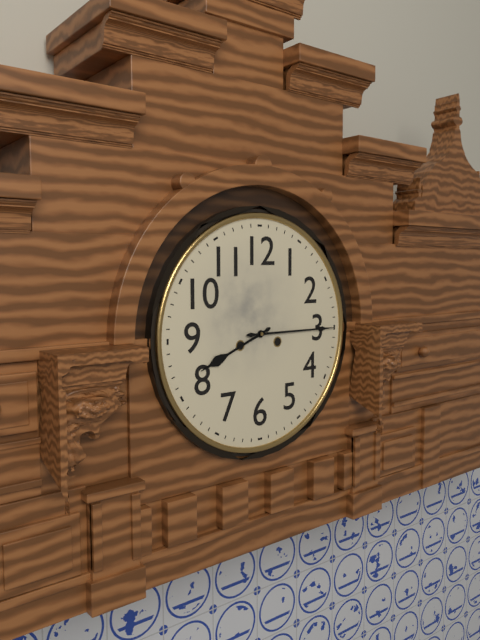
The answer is 8.15
